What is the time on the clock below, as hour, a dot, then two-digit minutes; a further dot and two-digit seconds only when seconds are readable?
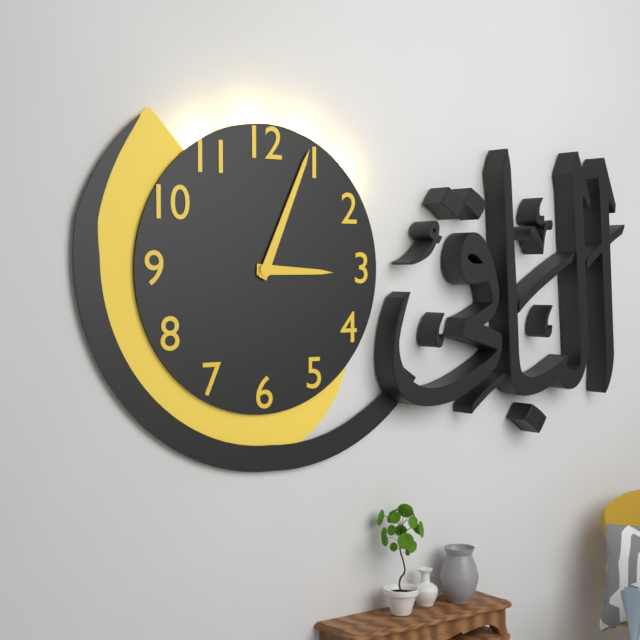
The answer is 3.04
